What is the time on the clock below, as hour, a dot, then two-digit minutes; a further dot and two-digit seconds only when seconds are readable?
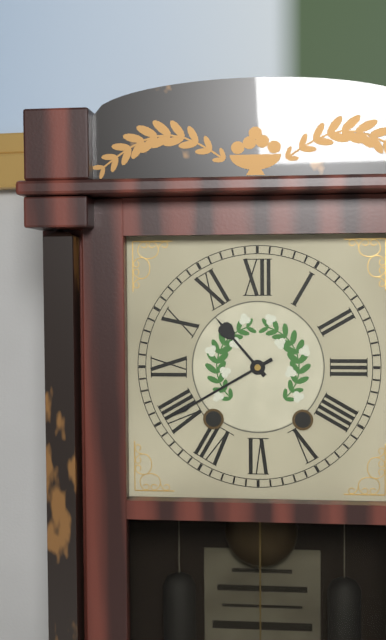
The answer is 10.40
